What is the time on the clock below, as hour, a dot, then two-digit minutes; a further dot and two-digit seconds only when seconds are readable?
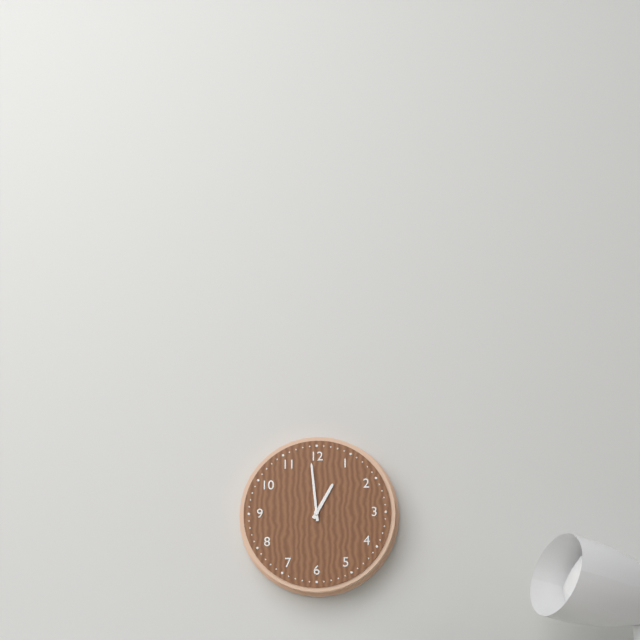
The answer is 12.59
